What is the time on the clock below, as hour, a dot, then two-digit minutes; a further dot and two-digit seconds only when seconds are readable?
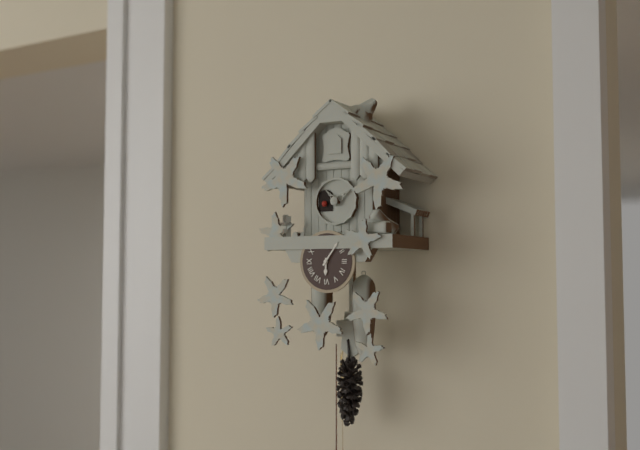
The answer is 6.06
